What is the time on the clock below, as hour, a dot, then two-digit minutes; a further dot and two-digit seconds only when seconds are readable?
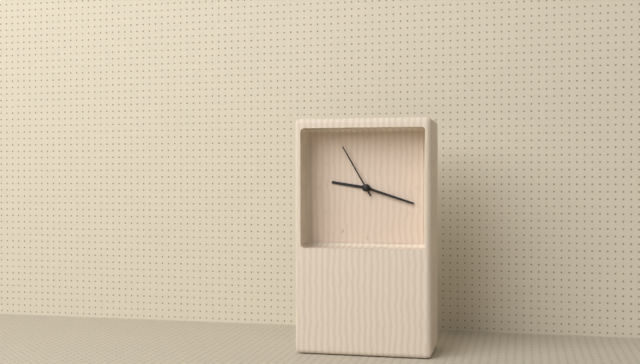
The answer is 9.18.55
